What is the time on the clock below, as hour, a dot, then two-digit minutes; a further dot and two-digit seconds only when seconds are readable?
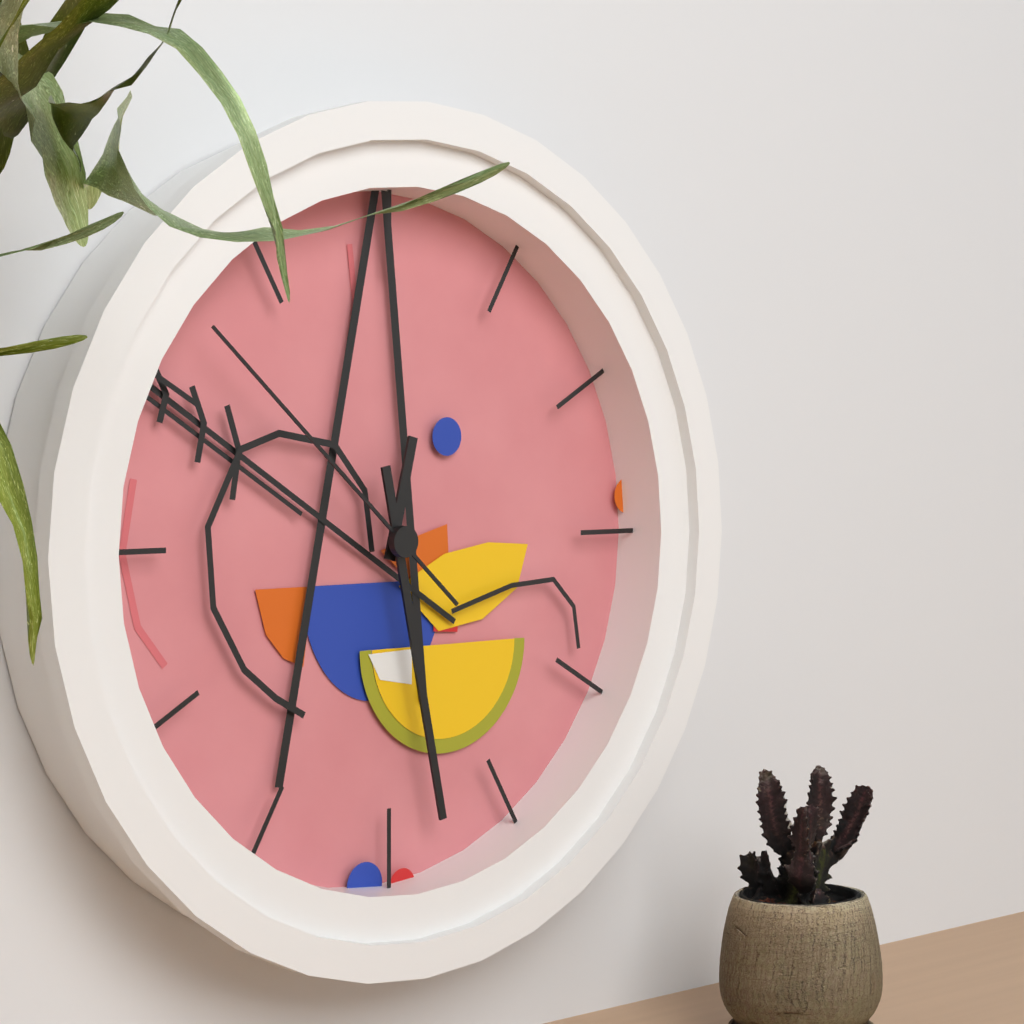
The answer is 12.28.52
